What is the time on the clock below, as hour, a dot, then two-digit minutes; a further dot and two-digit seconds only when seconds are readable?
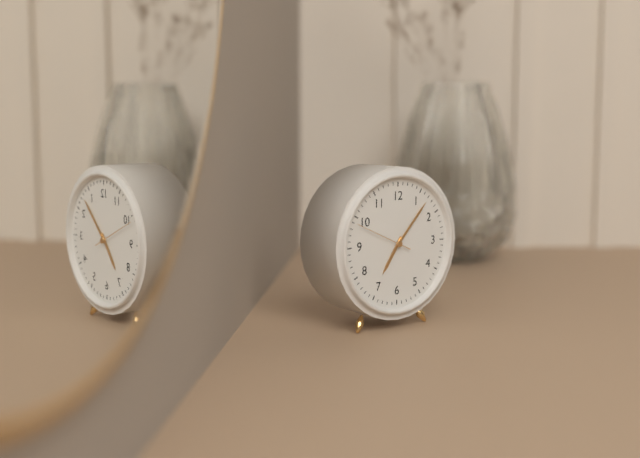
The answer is 7.07.49
